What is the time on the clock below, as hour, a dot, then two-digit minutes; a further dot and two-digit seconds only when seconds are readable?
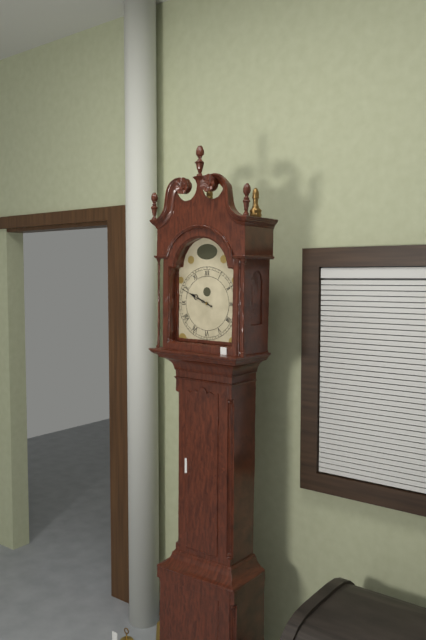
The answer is 9.49
